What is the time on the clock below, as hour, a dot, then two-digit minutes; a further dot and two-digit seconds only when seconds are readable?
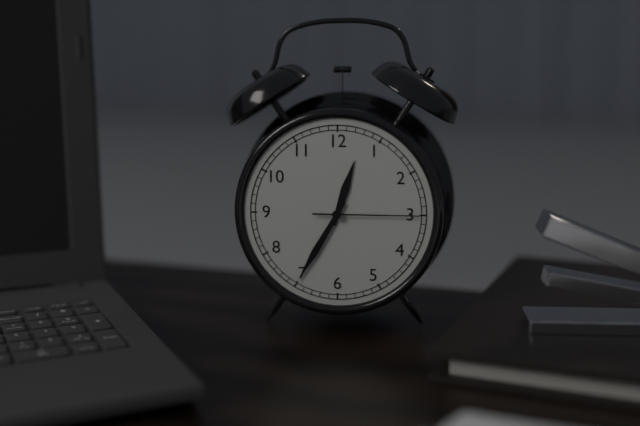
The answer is 12.35.15
